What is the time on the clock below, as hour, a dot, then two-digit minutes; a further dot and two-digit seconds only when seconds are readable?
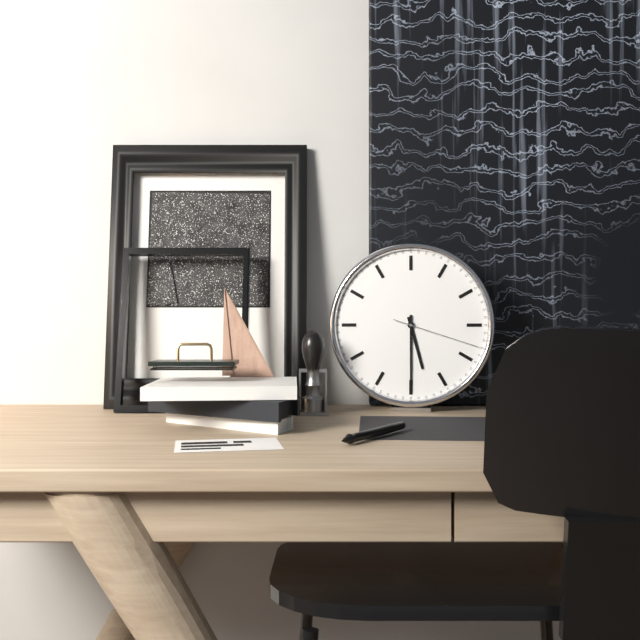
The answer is 5.30.18
